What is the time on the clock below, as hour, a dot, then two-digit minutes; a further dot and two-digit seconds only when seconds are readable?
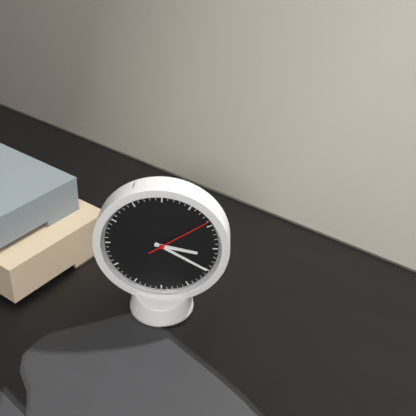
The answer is 3.20.09
